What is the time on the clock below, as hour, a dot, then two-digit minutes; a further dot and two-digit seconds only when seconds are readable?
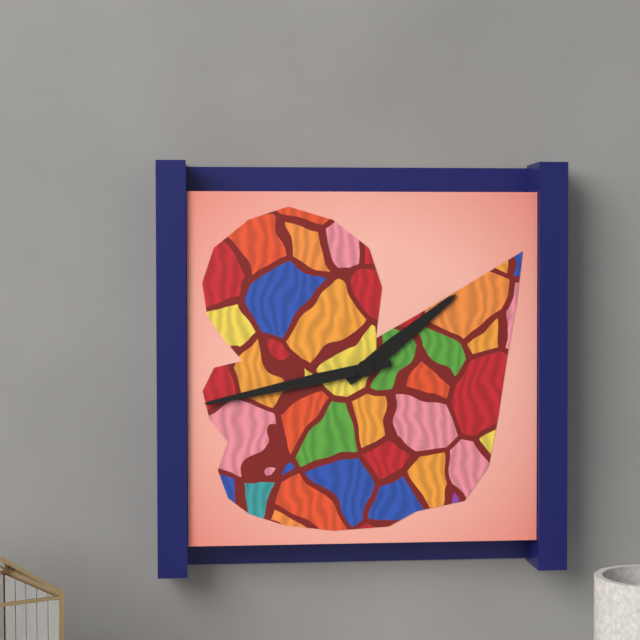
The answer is 1.43
